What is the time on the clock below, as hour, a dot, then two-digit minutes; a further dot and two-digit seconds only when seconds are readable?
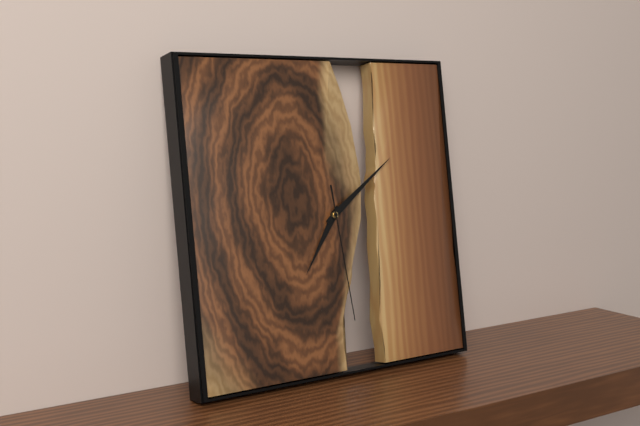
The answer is 7.09.29
